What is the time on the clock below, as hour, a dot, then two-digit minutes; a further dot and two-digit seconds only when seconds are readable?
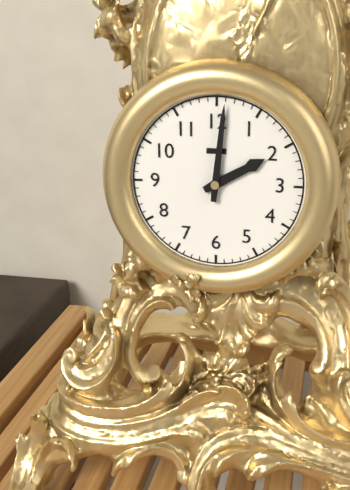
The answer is 2.01
